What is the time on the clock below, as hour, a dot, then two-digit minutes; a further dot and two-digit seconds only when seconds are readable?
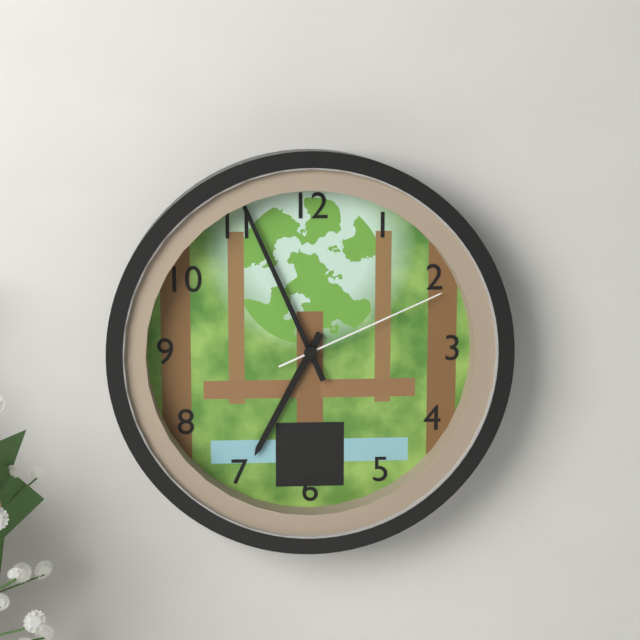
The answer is 6.56.11
